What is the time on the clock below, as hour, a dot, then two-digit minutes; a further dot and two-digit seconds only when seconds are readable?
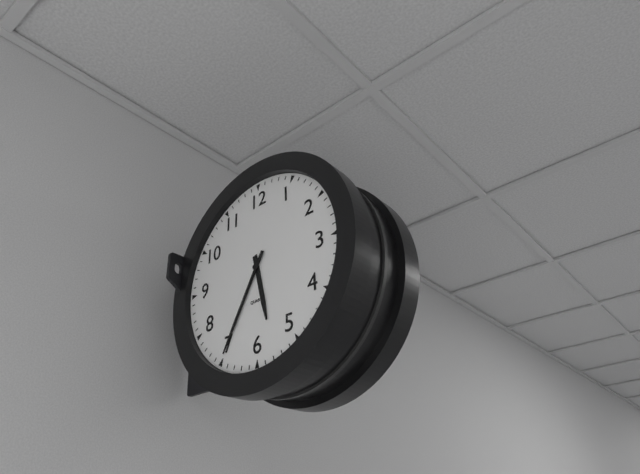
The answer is 5.35
